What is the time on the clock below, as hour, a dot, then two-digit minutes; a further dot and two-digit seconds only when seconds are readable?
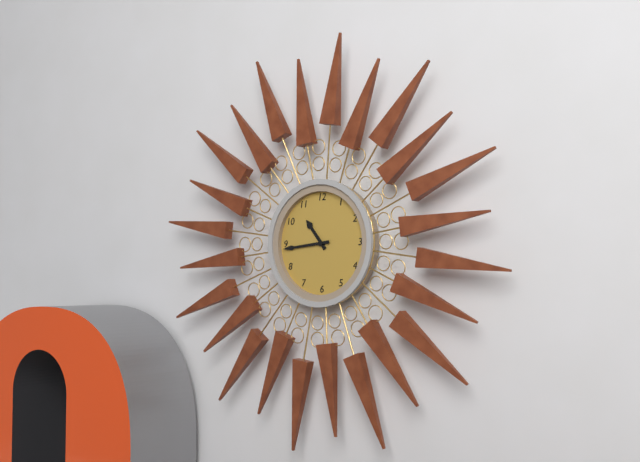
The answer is 10.44
